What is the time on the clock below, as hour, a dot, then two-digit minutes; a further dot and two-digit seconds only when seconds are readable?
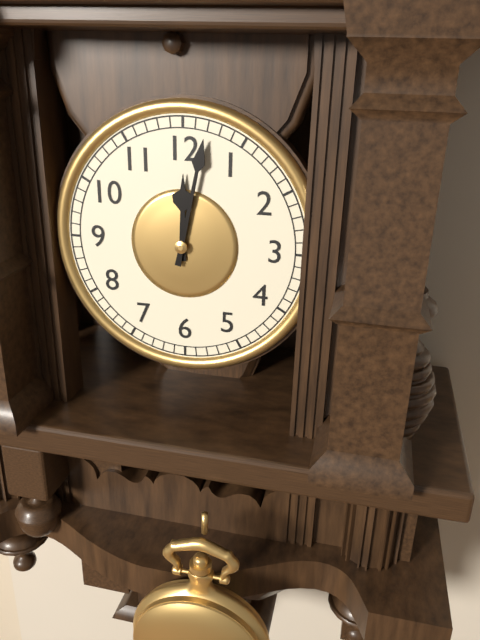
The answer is 12.02
